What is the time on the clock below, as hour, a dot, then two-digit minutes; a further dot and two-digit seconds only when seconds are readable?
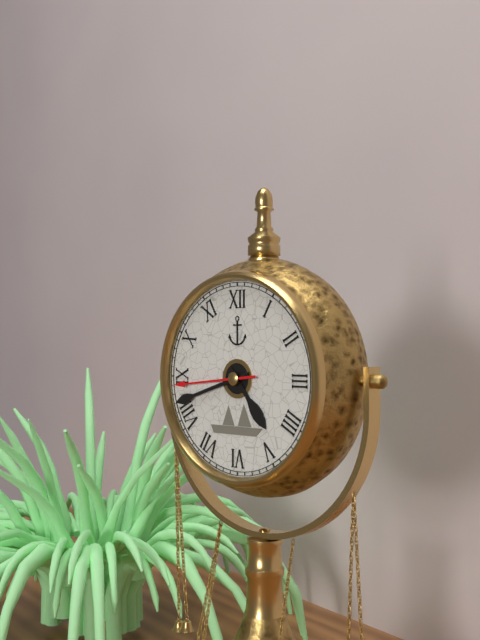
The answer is 4.42.44
